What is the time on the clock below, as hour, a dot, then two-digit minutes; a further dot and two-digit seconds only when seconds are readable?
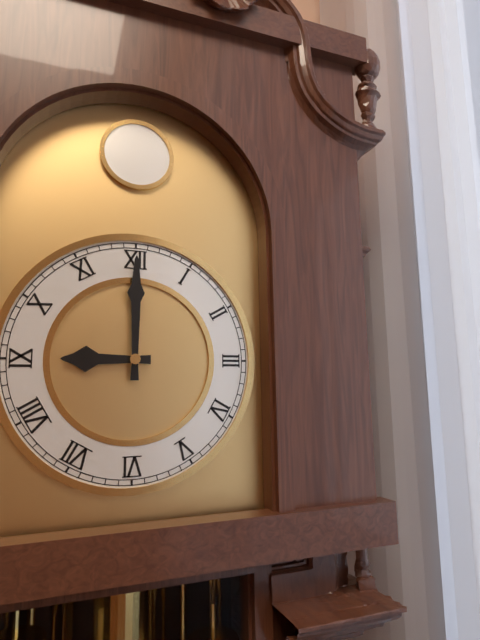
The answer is 9.00
